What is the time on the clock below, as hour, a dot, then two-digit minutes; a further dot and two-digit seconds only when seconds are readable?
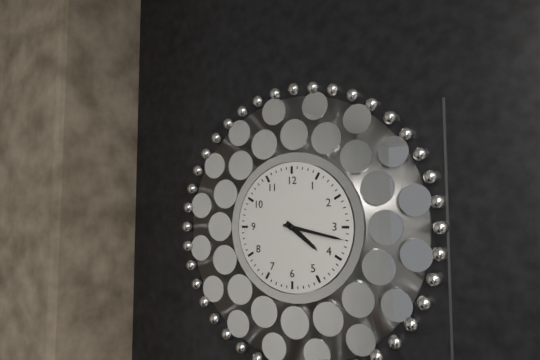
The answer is 4.17
